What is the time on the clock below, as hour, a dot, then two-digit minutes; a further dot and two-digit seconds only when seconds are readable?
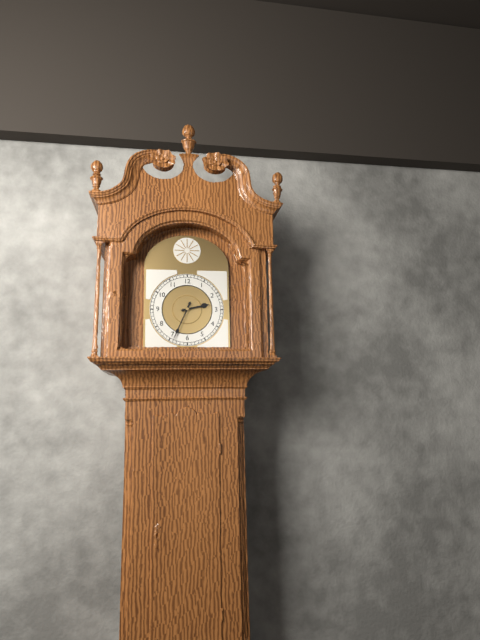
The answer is 2.34
